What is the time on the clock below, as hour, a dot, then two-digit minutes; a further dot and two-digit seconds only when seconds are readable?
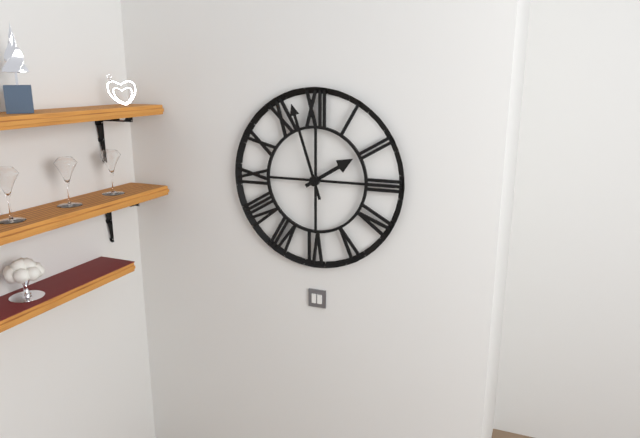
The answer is 1.57
